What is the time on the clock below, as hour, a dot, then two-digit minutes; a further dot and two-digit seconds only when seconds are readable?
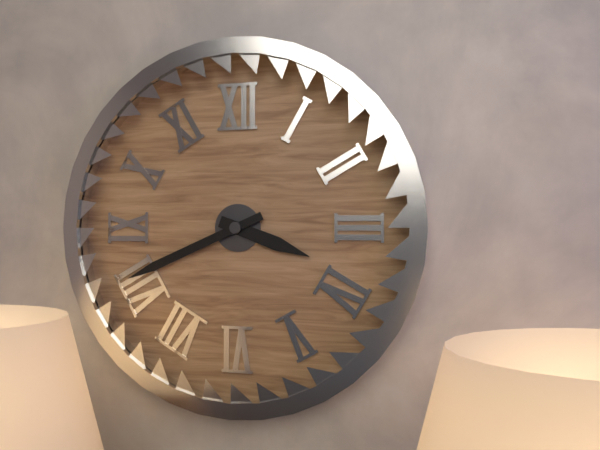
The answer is 3.41
